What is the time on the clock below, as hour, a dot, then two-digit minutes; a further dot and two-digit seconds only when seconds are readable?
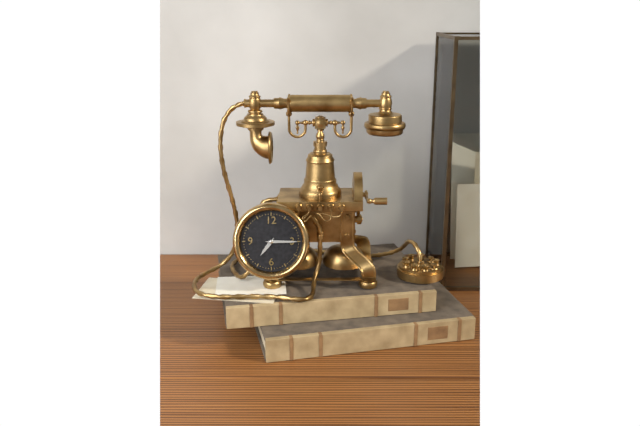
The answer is 7.15
